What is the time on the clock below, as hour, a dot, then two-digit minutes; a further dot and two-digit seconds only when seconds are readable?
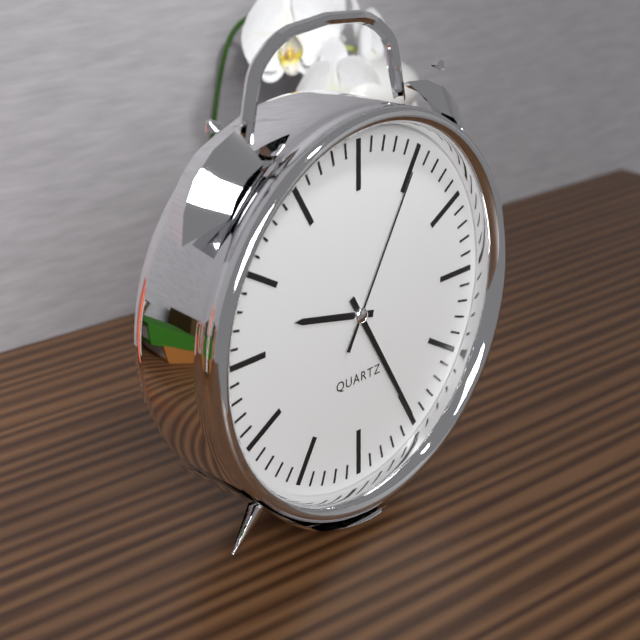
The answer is 9.25.05
